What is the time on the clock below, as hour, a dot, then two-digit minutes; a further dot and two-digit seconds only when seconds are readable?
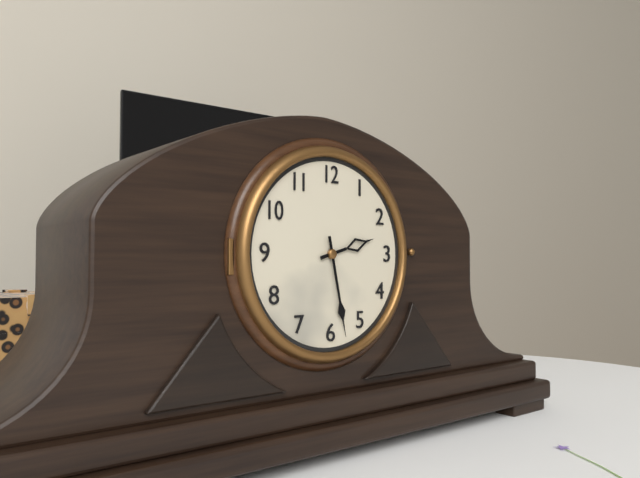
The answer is 2.28
